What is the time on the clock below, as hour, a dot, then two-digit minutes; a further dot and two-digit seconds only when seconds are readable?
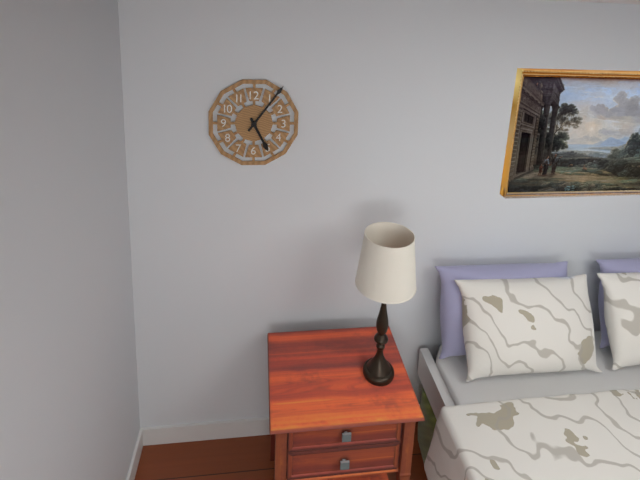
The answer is 5.06
